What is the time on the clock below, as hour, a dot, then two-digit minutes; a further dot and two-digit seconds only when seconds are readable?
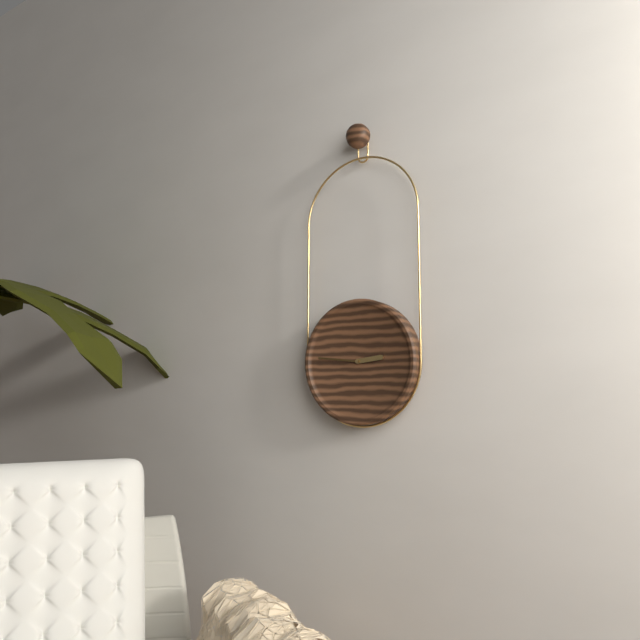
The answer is 2.46
